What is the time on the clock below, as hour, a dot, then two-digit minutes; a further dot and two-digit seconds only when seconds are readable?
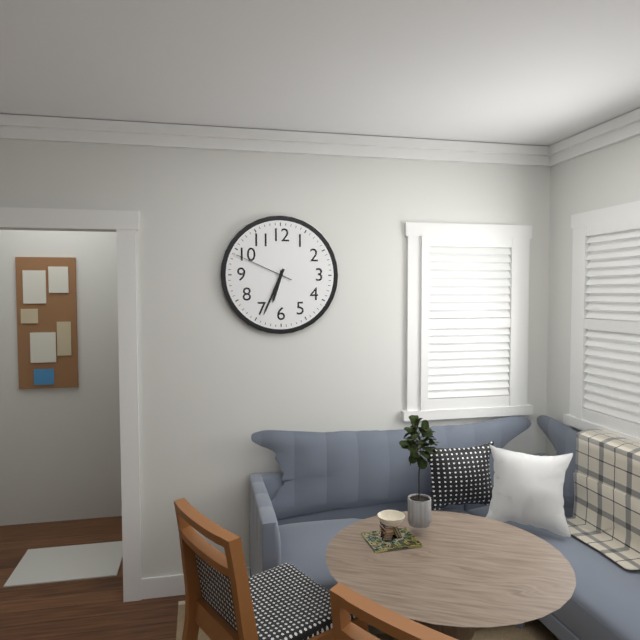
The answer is 6.34.49
